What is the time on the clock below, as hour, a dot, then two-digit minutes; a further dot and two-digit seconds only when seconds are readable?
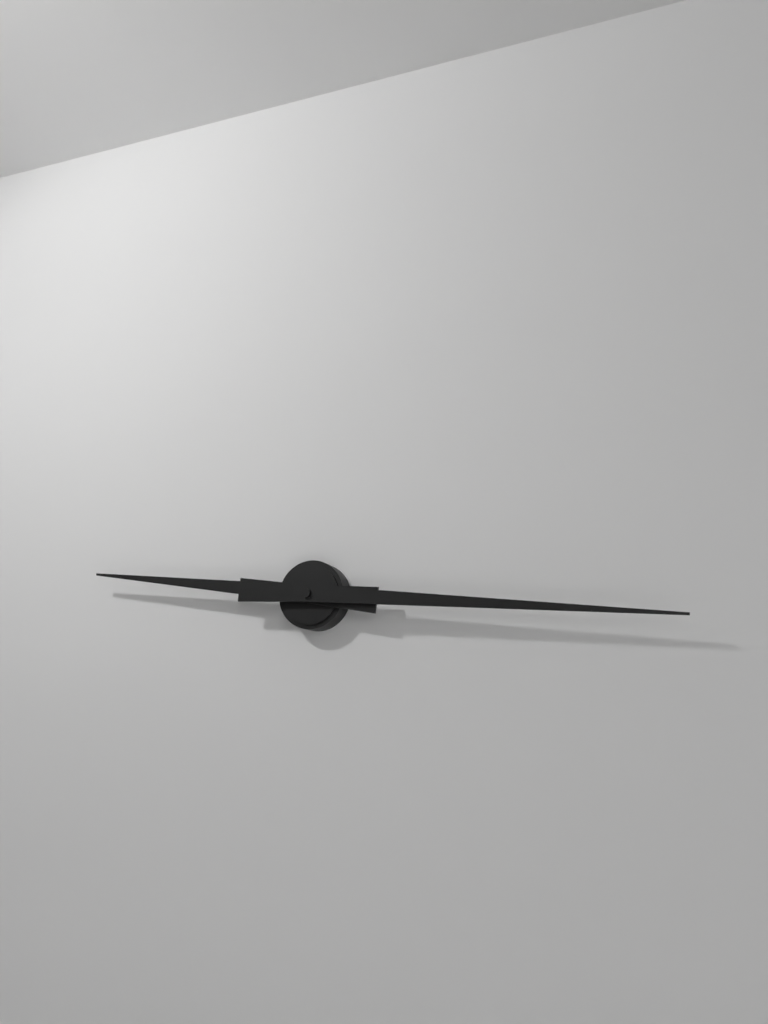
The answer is 9.16
